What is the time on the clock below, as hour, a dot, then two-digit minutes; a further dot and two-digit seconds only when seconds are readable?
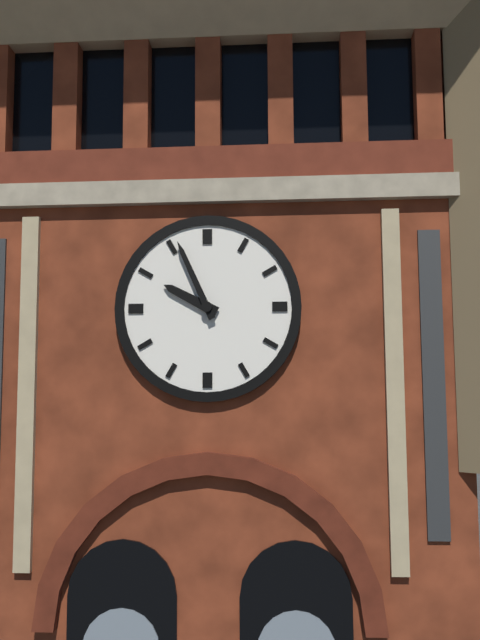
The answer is 9.56
